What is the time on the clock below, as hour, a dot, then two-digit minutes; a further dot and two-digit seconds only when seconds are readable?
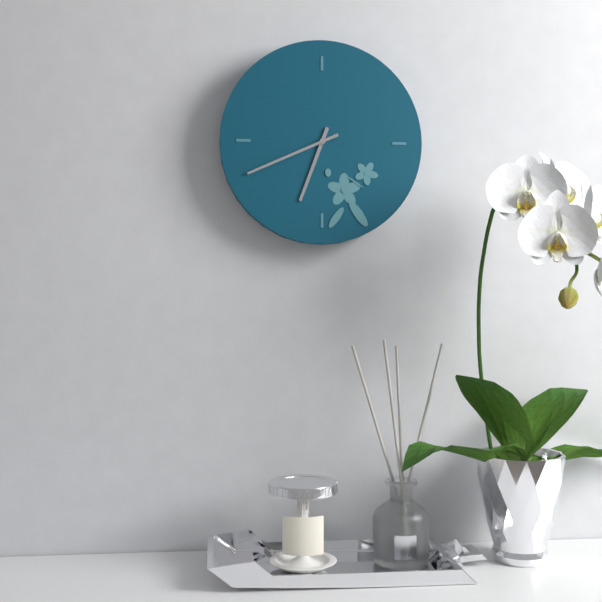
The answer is 6.41
